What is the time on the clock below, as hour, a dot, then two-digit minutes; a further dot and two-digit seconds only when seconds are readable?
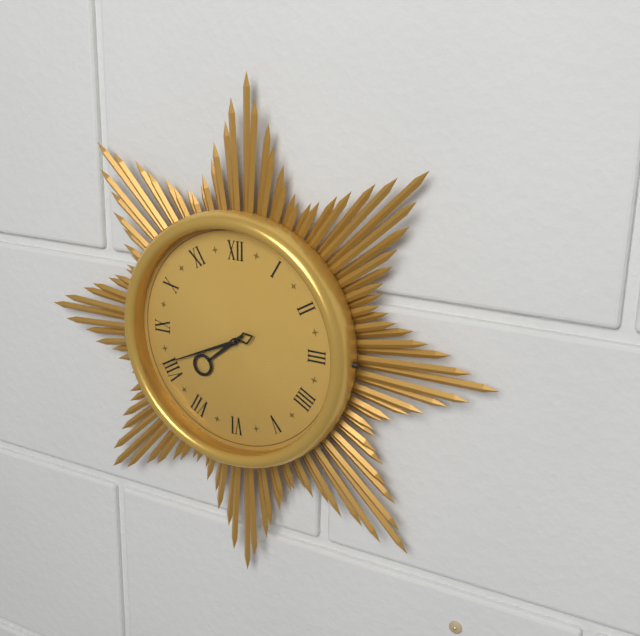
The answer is 7.41
